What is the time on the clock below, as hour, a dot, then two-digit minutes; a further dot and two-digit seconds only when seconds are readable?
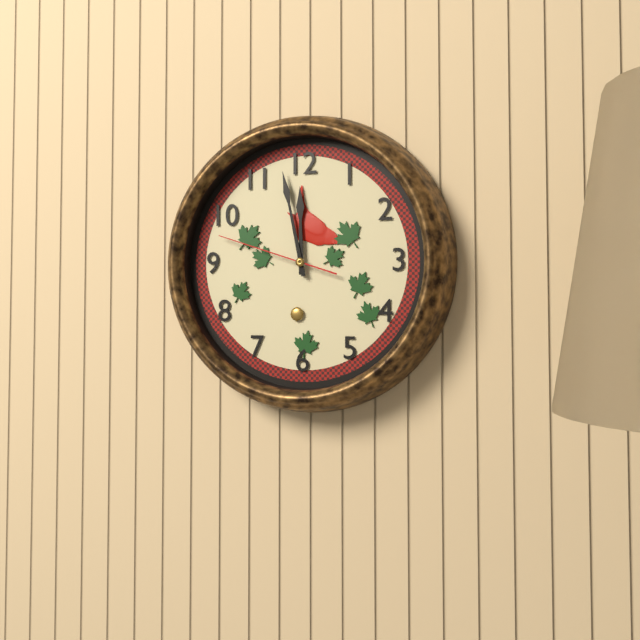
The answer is 11.58.48
